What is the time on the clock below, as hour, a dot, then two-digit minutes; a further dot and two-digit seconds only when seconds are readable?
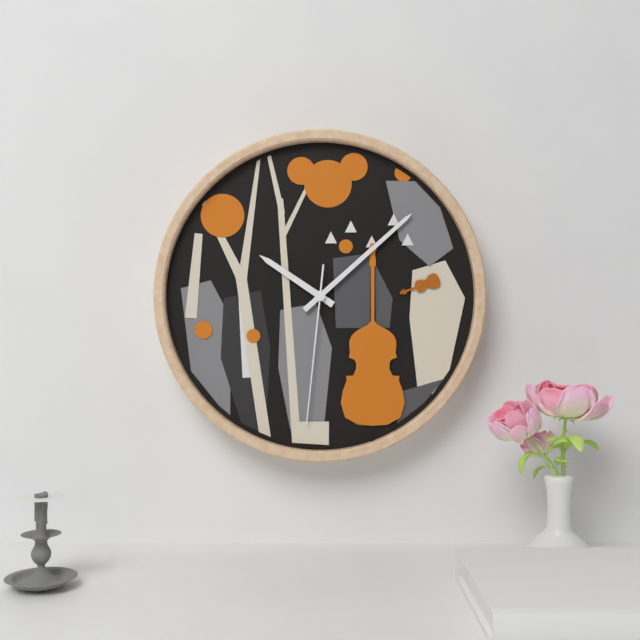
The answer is 10.08.31
